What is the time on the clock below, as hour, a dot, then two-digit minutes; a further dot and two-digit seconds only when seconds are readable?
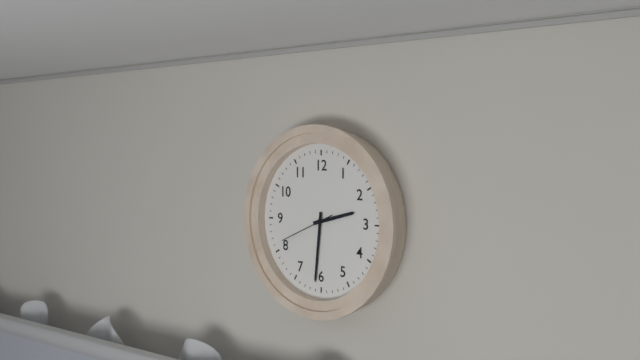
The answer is 2.31.41
